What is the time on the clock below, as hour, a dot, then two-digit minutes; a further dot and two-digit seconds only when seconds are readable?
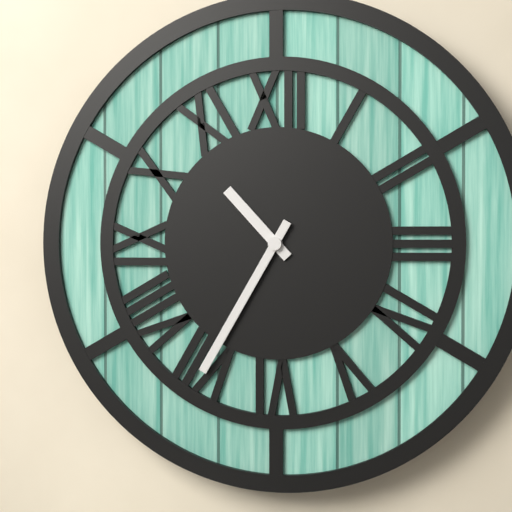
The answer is 10.35
